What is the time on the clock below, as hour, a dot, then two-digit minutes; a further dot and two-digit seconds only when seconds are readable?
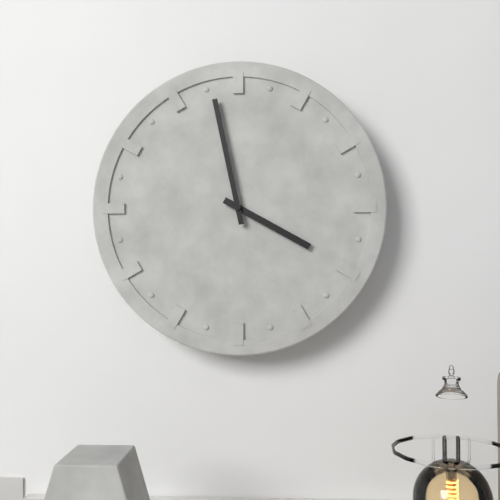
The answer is 3.58
